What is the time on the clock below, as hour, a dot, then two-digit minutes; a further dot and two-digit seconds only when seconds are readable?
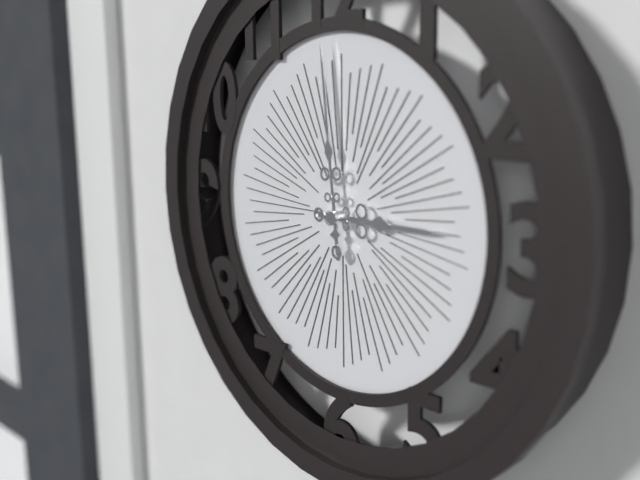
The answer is 2.59
